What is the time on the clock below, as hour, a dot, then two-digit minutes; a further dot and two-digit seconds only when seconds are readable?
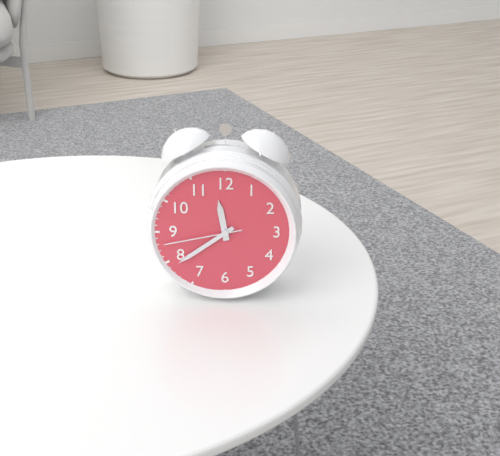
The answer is 11.39.43
